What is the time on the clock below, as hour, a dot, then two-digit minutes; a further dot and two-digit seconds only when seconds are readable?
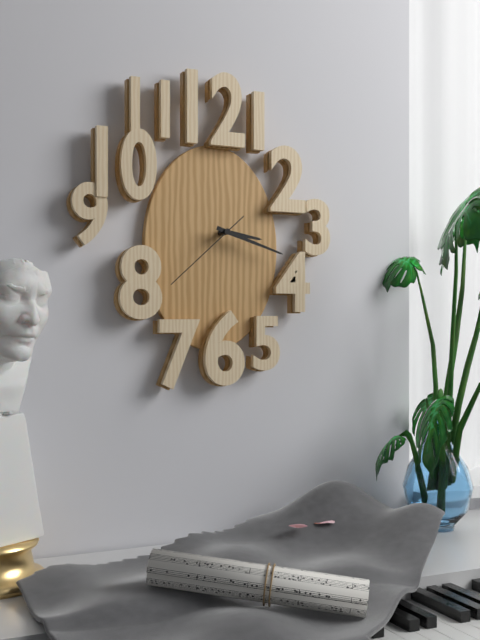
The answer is 3.18.38
